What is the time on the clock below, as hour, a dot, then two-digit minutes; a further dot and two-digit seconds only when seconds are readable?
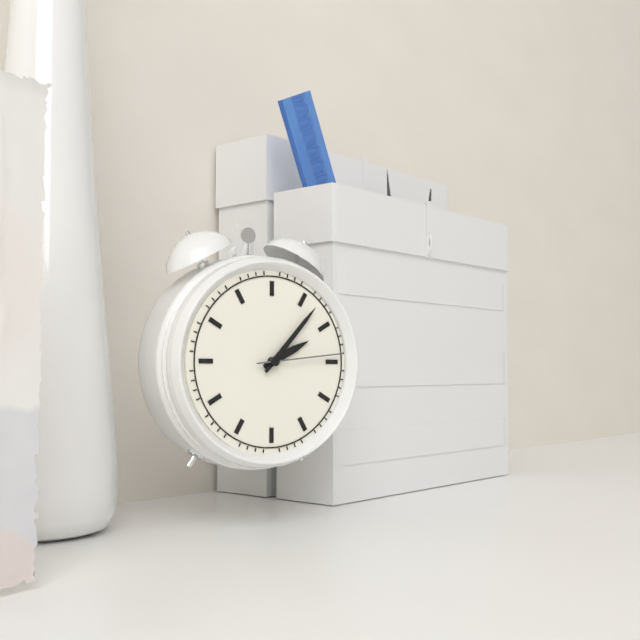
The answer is 2.07.14
